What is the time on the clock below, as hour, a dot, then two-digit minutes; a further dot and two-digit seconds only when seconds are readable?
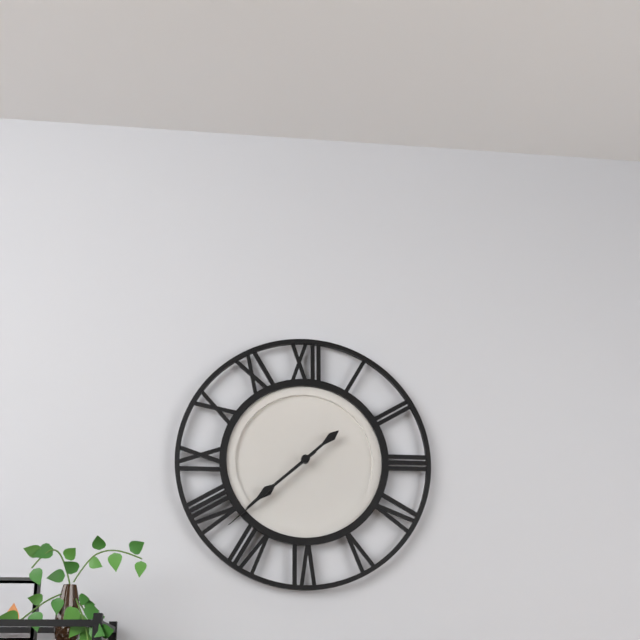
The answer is 7.38
